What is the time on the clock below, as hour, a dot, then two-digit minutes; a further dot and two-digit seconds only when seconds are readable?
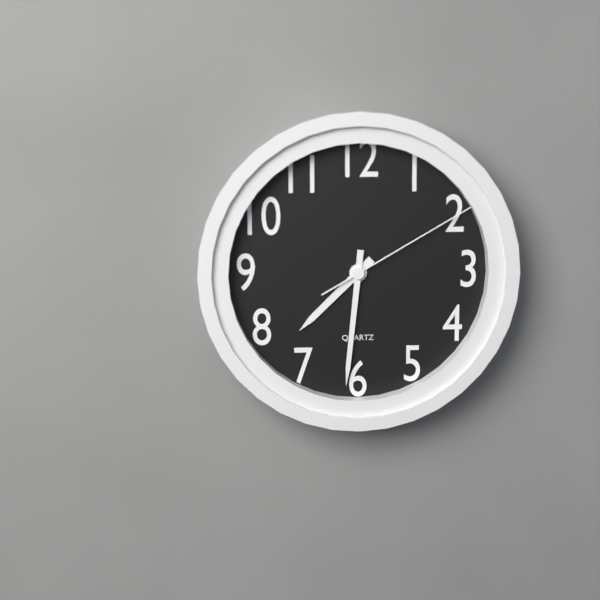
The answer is 7.31.10
